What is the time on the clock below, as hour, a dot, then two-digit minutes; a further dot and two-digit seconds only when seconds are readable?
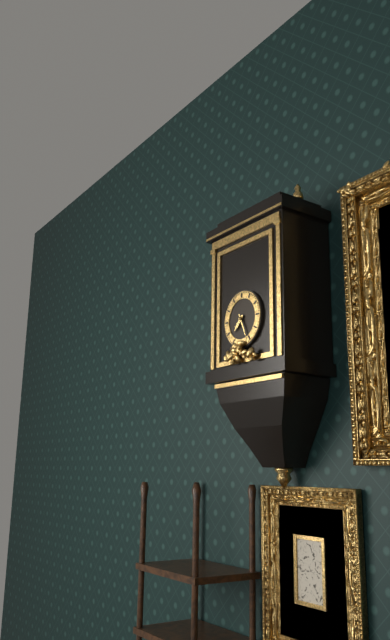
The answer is 7.26
